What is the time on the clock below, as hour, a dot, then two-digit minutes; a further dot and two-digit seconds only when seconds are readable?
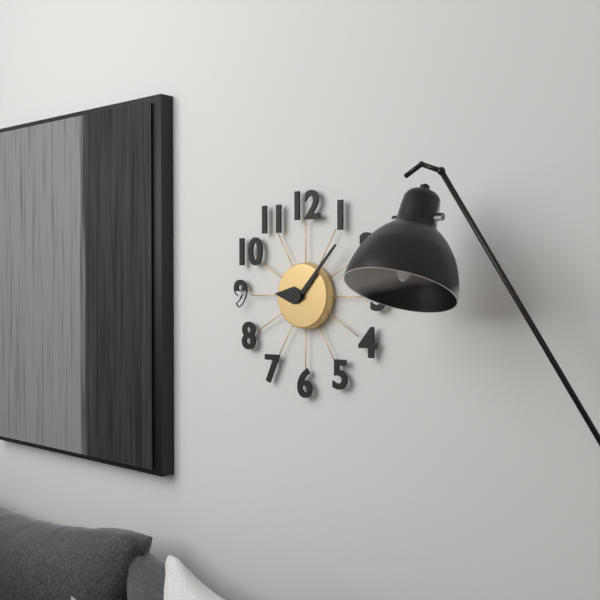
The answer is 9.07
